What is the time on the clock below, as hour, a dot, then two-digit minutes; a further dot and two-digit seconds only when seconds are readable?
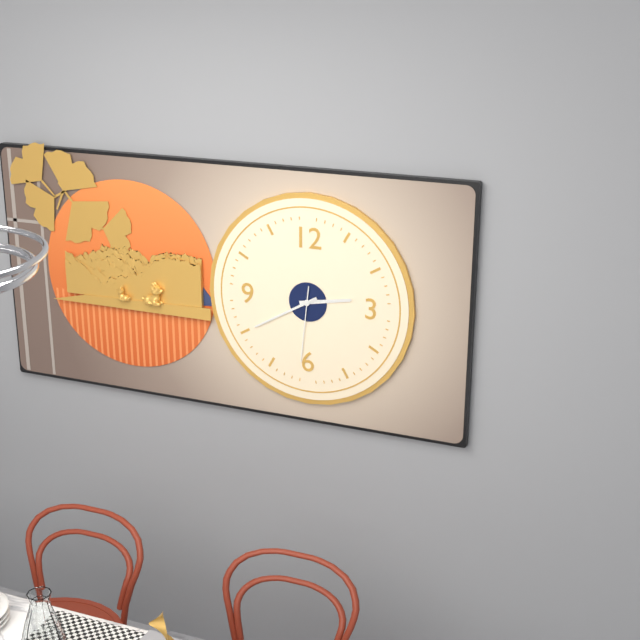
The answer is 2.40.31
